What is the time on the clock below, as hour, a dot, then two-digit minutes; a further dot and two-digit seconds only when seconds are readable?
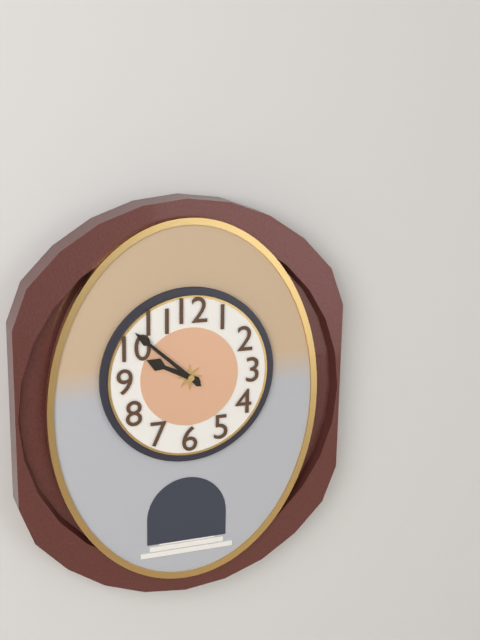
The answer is 9.52
